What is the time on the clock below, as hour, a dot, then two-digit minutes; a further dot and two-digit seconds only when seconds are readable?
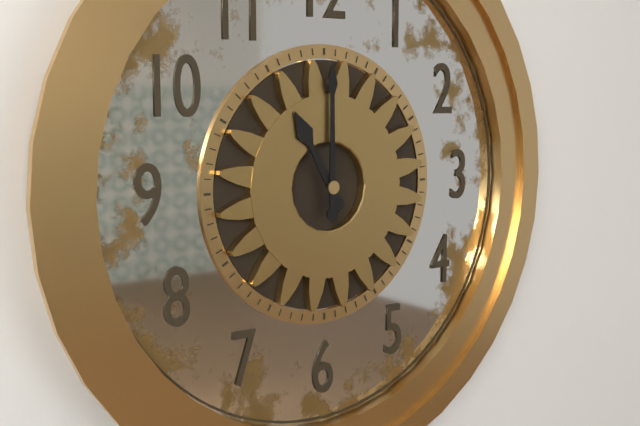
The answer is 11.00
